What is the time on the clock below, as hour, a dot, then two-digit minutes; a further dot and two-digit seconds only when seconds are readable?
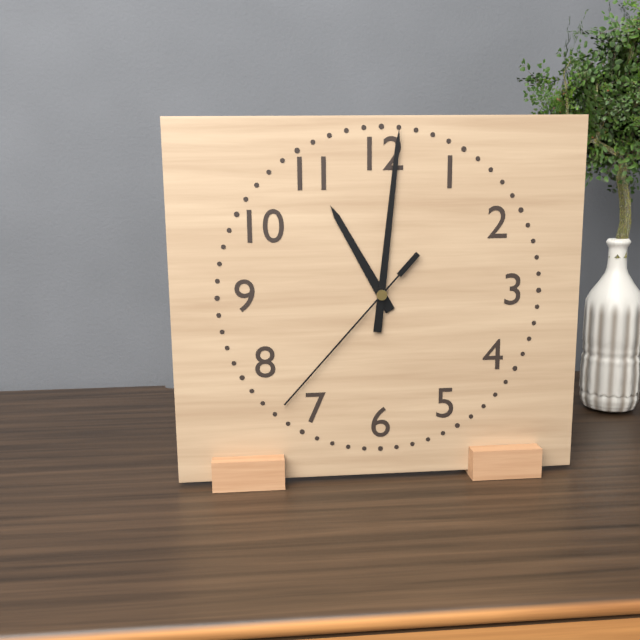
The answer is 11.01.37
